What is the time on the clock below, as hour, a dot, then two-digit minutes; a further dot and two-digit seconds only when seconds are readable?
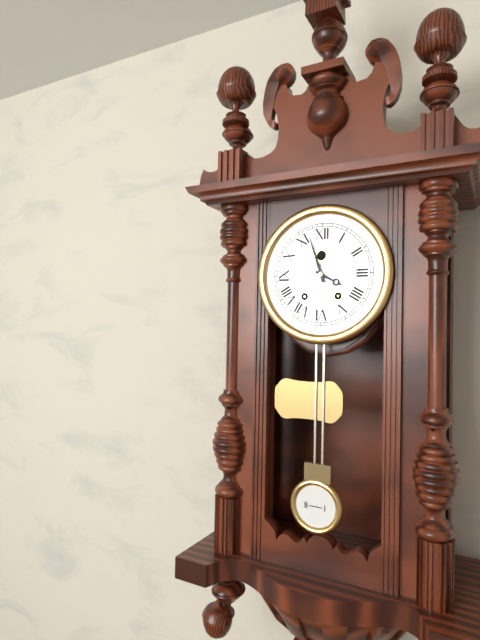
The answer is 3.57
